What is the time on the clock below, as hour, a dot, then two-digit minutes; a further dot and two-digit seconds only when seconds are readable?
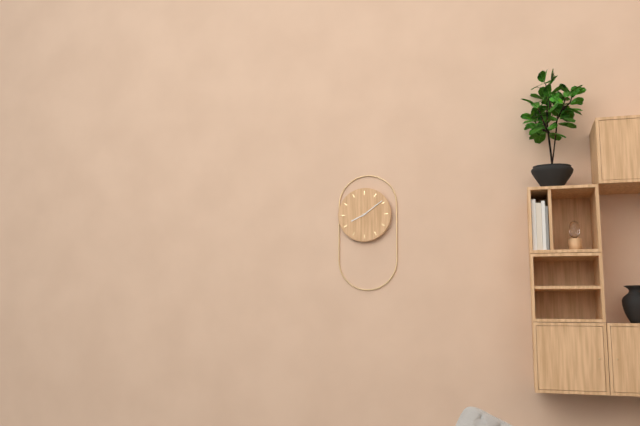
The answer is 8.09
